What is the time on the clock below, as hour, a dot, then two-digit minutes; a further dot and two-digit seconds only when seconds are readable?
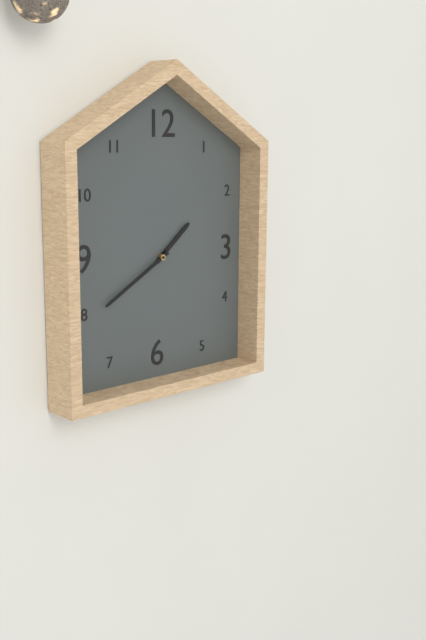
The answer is 1.40
